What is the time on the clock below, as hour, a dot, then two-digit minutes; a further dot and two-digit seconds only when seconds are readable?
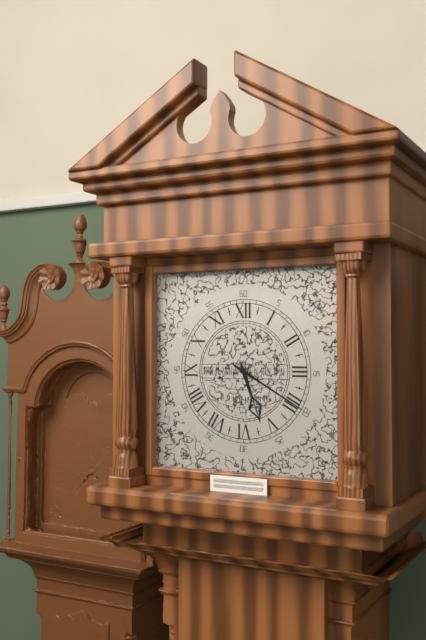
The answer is 5.20
